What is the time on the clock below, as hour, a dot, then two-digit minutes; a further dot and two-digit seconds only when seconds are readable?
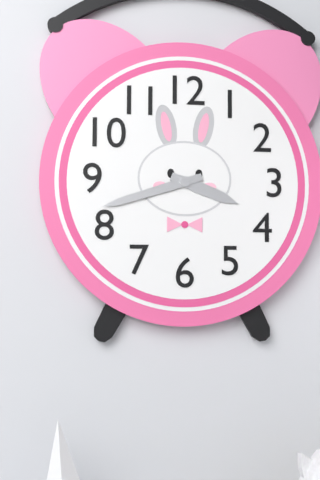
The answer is 3.42
